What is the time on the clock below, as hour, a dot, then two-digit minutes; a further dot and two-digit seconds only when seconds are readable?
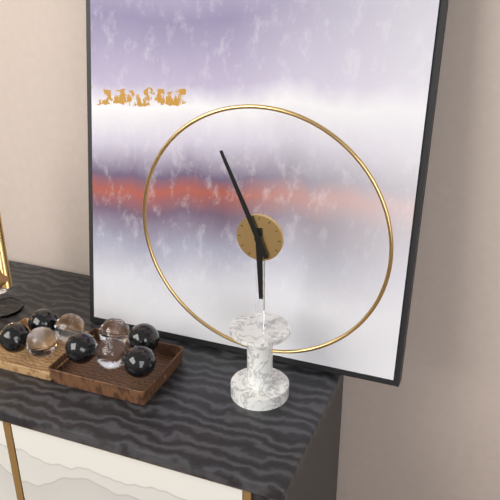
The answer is 5.56
